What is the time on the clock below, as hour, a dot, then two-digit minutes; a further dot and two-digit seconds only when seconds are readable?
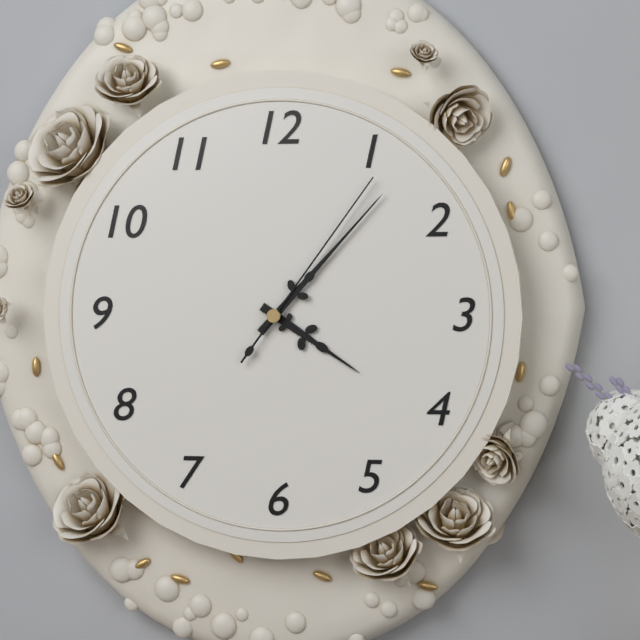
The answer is 4.07.06
